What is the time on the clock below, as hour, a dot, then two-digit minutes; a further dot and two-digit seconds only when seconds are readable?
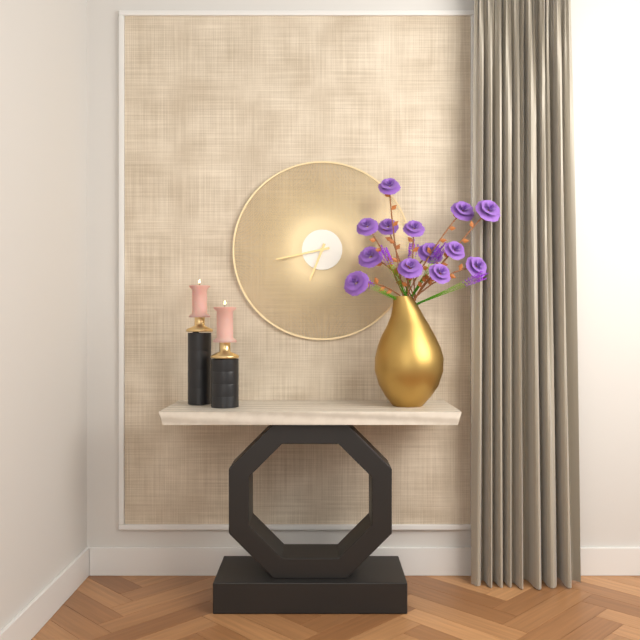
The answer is 6.43
